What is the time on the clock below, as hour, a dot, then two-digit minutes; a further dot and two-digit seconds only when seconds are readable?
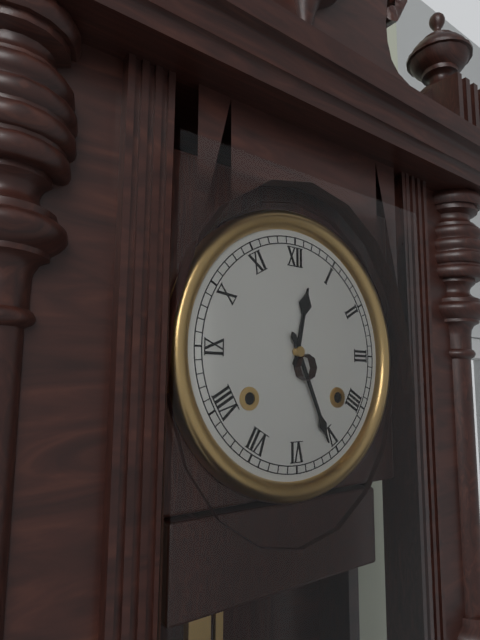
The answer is 12.26
